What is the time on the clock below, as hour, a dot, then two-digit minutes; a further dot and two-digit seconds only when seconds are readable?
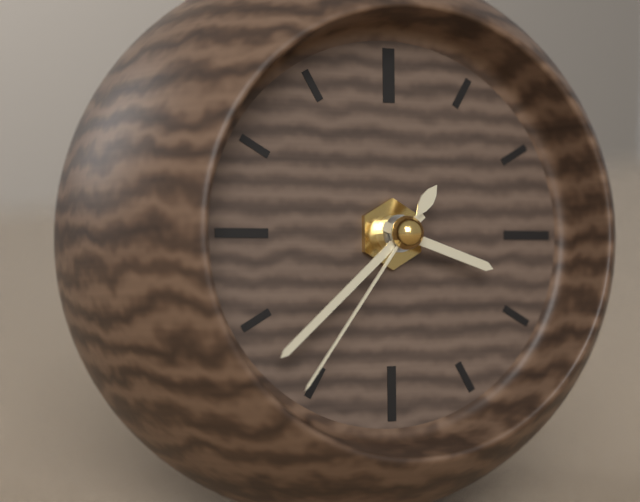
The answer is 3.38.36
